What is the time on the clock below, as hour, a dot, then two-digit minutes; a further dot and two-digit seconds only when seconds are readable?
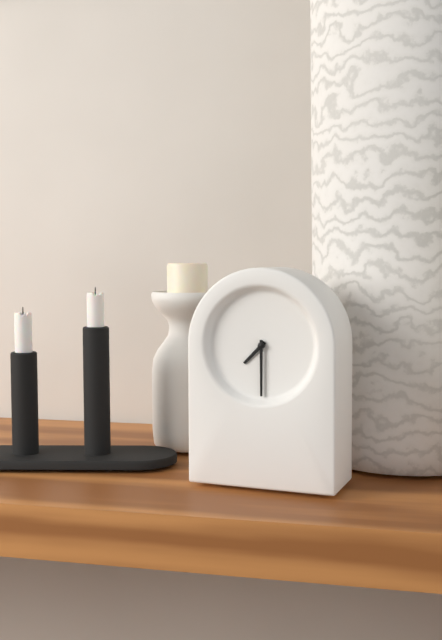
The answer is 7.30
